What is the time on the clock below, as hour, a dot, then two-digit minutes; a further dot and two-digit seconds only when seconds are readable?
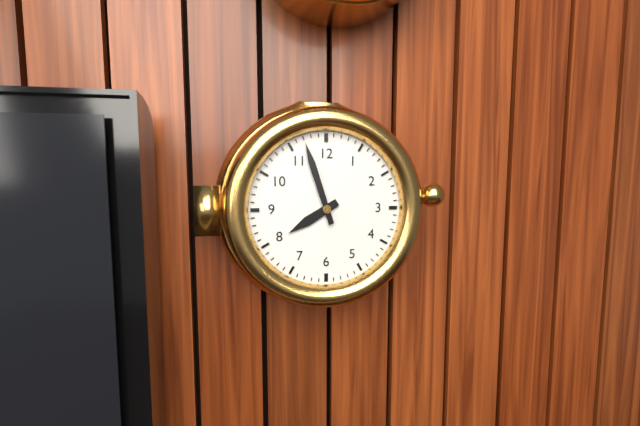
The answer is 7.57
